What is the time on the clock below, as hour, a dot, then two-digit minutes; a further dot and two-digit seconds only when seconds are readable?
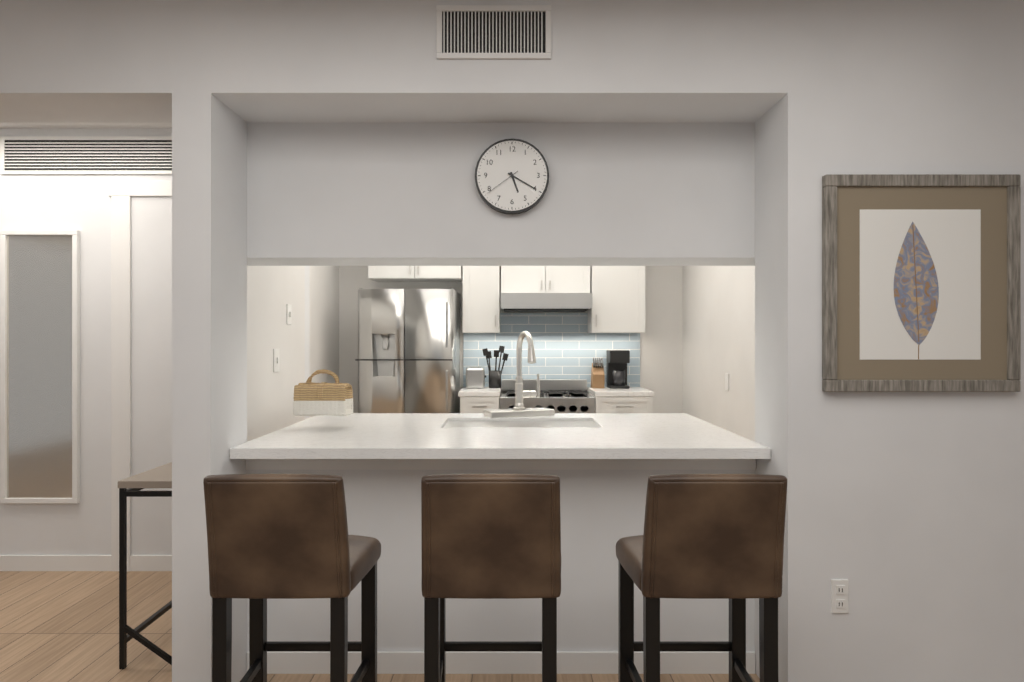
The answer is 5.20
